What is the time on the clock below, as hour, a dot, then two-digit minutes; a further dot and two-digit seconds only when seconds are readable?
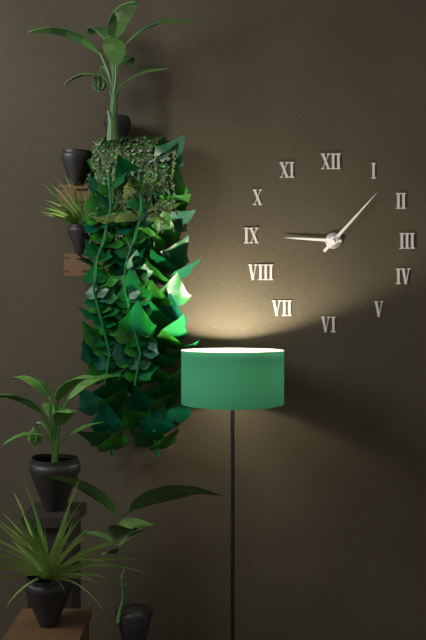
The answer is 9.07
